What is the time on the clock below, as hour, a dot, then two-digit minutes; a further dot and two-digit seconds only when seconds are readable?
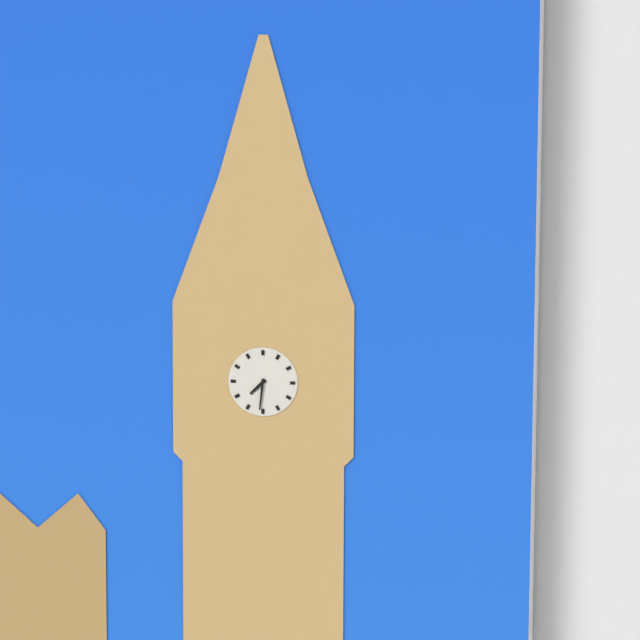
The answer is 7.31
